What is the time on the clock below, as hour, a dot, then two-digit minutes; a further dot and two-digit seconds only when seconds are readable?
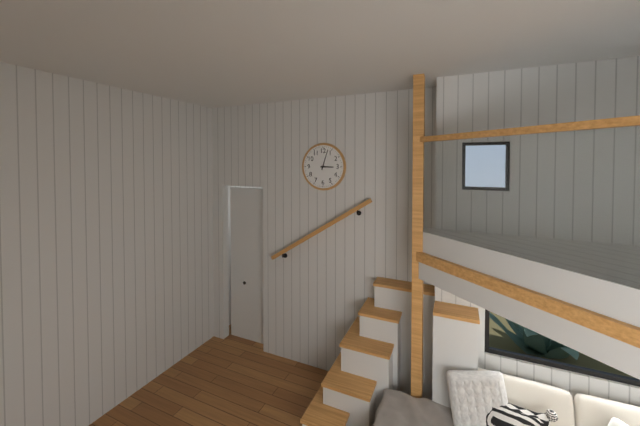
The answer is 3.03
